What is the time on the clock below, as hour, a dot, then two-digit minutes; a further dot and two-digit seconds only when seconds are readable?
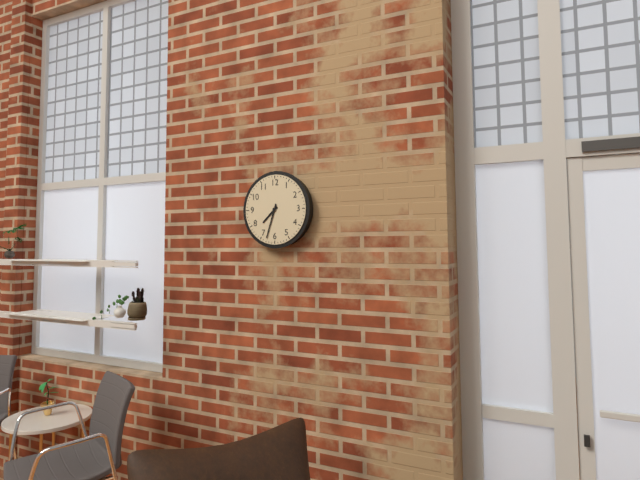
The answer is 7.33
